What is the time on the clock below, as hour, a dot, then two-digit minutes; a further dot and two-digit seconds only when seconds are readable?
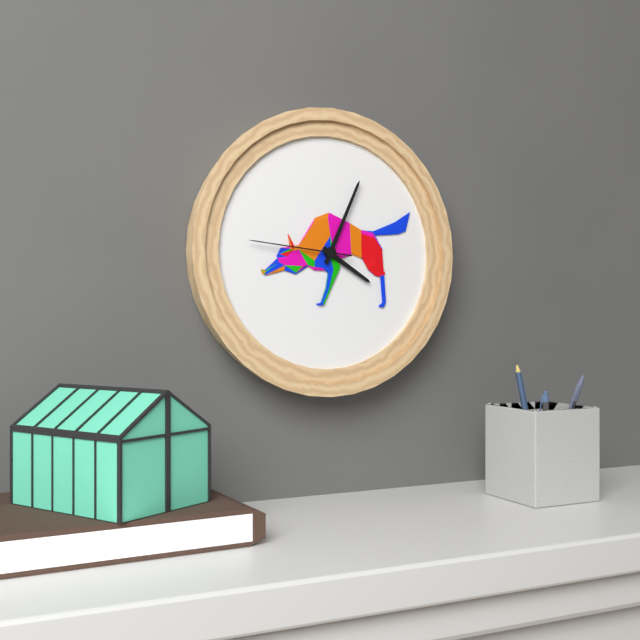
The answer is 4.04.46
